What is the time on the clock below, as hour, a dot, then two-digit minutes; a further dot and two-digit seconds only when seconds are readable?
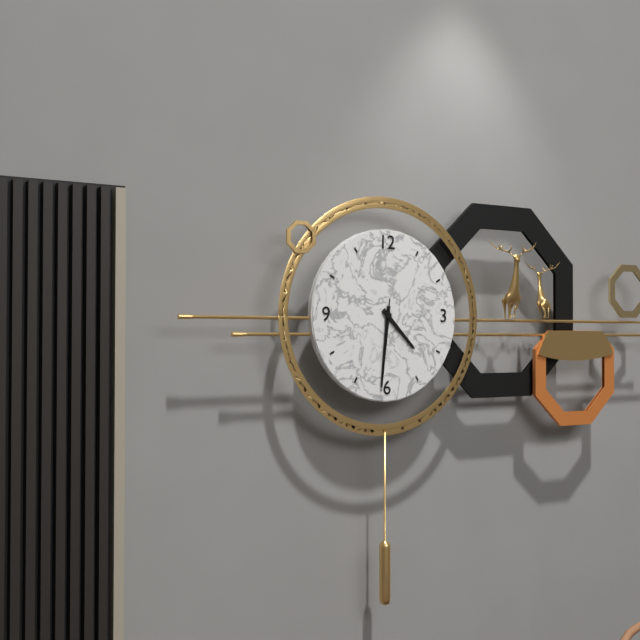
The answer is 4.31.31
